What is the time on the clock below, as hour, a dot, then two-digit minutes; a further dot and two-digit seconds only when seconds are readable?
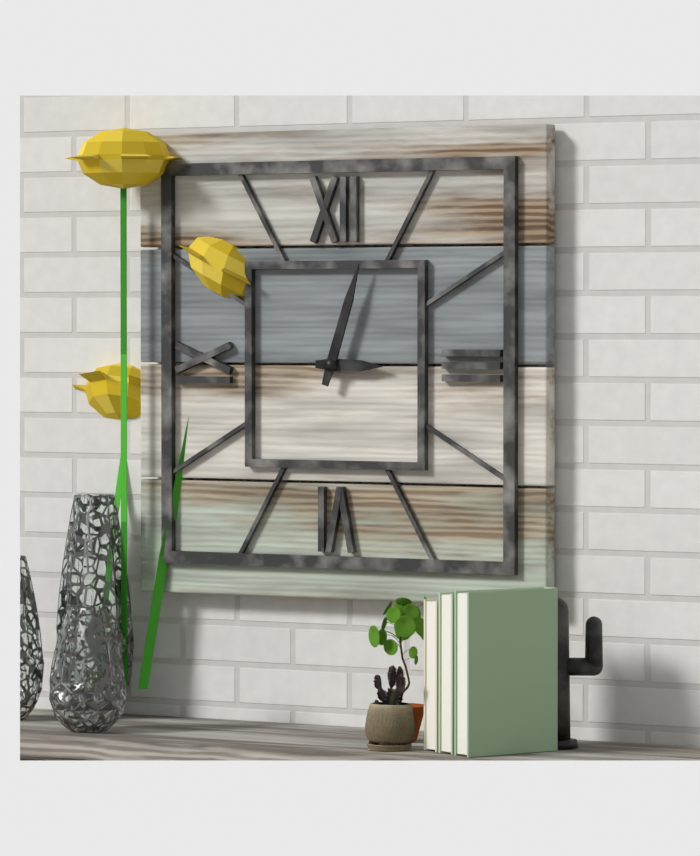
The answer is 3.03
